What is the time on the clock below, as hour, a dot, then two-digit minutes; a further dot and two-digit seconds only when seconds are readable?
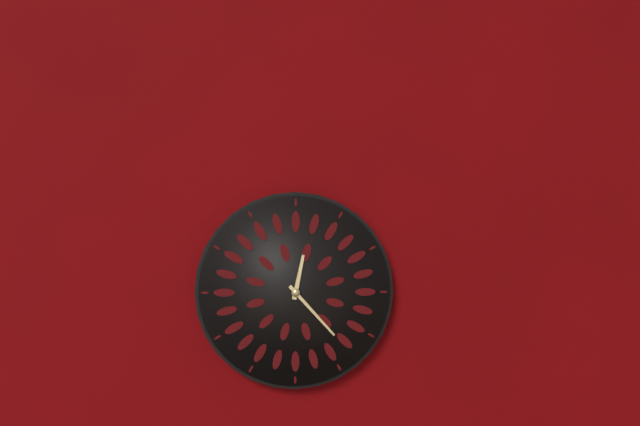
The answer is 12.23
